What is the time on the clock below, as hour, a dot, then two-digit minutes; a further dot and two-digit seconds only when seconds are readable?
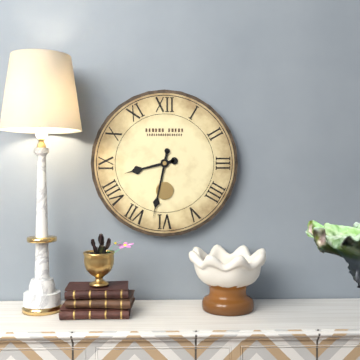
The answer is 8.32
